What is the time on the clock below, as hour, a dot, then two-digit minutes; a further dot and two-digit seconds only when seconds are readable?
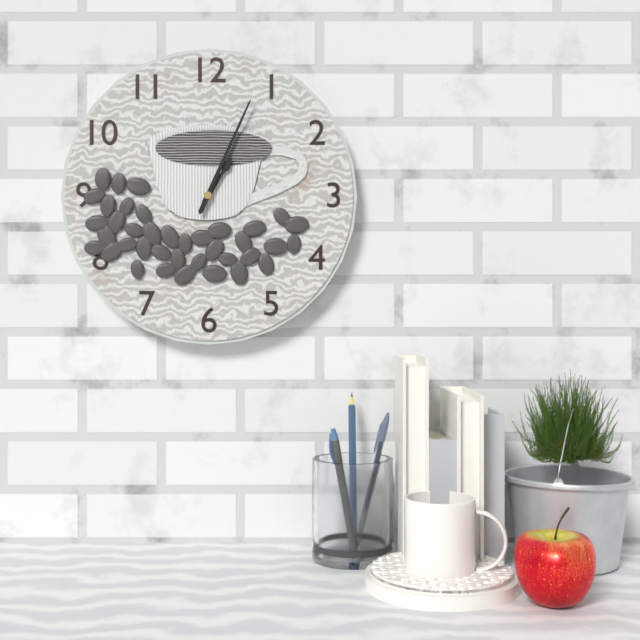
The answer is 1.04
